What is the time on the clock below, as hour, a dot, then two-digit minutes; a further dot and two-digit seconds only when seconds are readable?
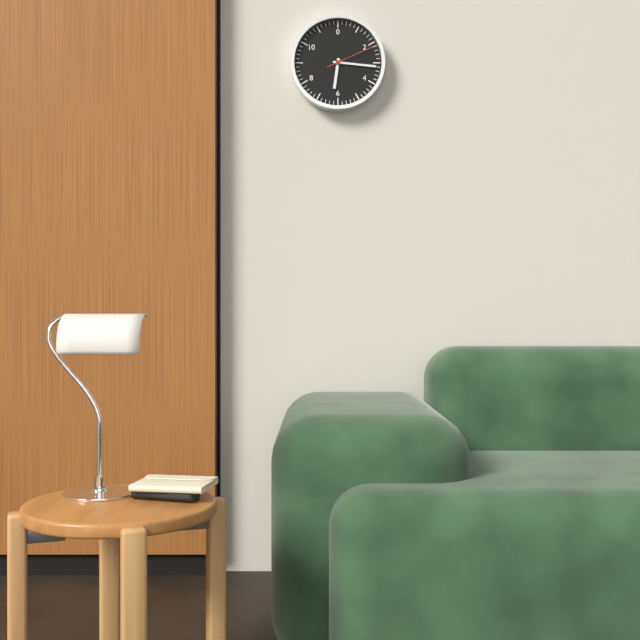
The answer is 6.16.11
